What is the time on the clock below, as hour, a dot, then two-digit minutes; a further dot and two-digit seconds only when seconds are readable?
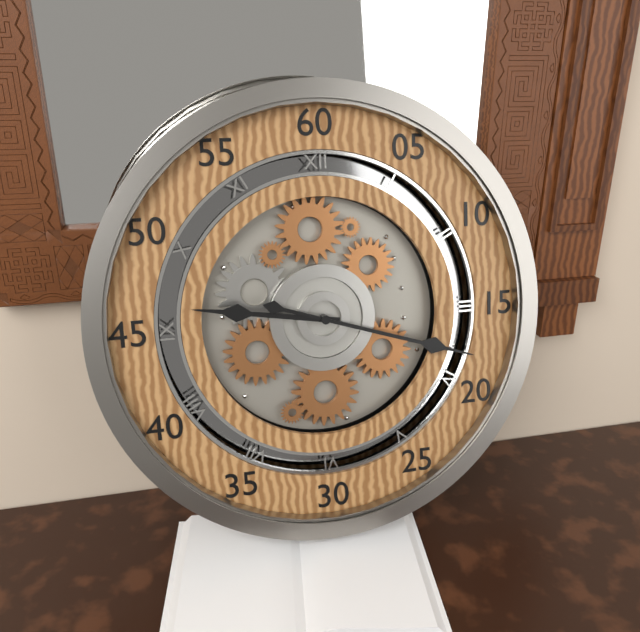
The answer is 9.18
